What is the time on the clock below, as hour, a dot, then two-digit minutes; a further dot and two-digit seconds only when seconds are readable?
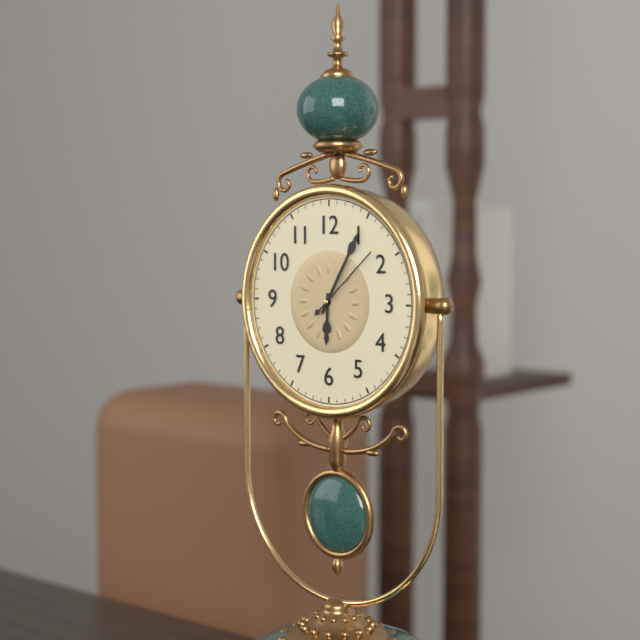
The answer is 6.05.08
